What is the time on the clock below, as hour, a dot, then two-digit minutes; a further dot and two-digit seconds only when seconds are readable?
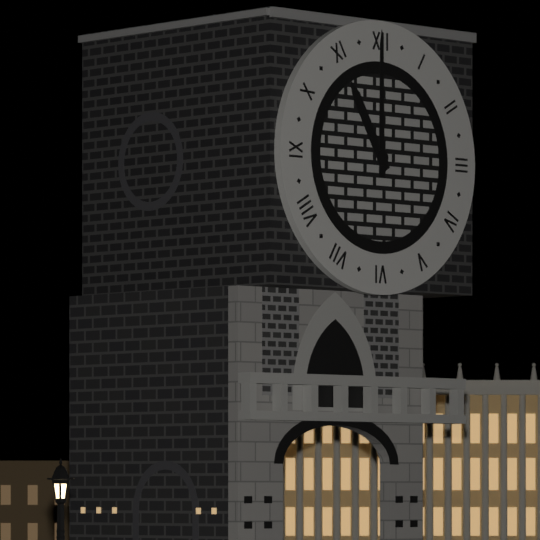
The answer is 11.00
